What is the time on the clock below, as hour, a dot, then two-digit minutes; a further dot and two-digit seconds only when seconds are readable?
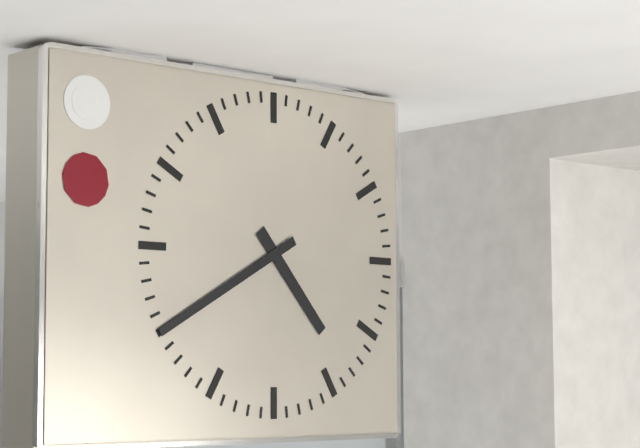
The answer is 4.40
